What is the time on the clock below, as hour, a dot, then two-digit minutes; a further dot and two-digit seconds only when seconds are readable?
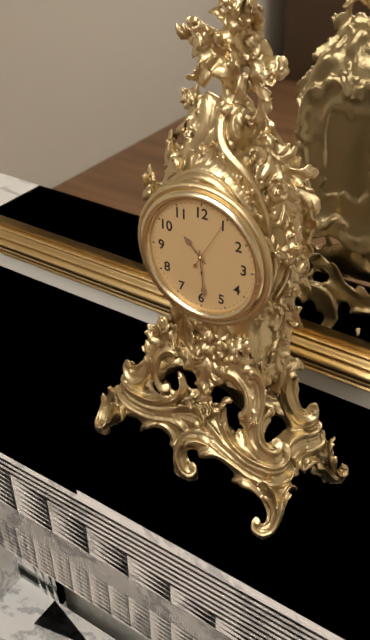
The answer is 10.29
